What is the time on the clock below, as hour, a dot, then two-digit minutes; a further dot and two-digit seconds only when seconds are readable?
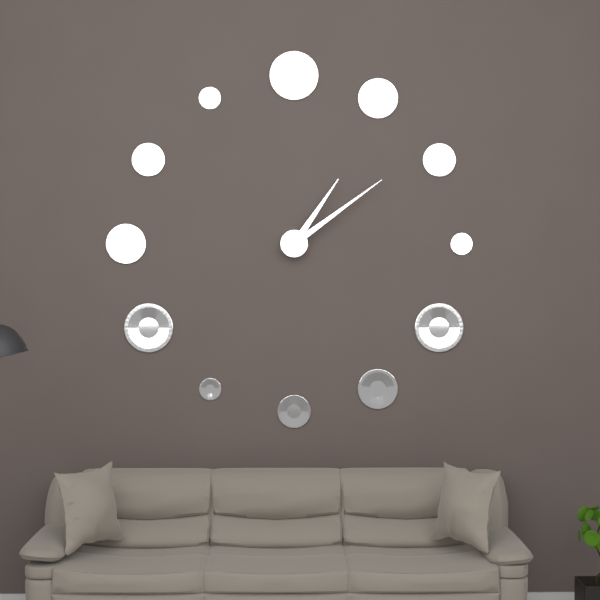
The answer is 1.09
